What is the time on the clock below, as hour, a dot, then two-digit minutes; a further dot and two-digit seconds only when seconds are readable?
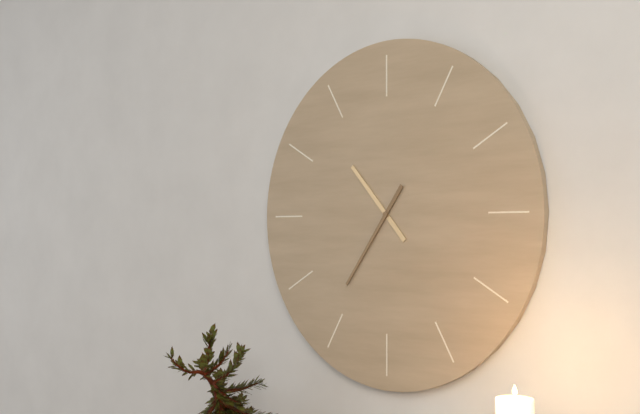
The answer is 10.36
